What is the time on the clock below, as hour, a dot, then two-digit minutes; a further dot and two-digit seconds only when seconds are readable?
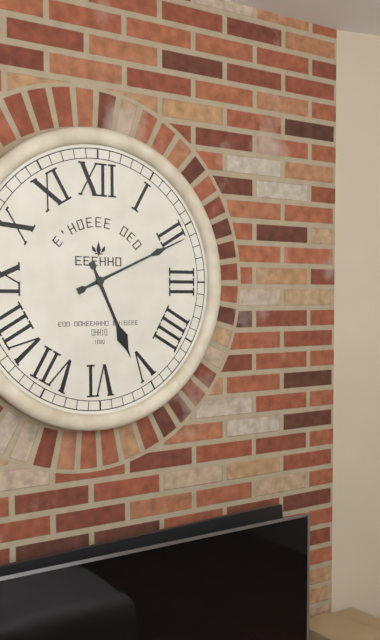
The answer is 5.11
